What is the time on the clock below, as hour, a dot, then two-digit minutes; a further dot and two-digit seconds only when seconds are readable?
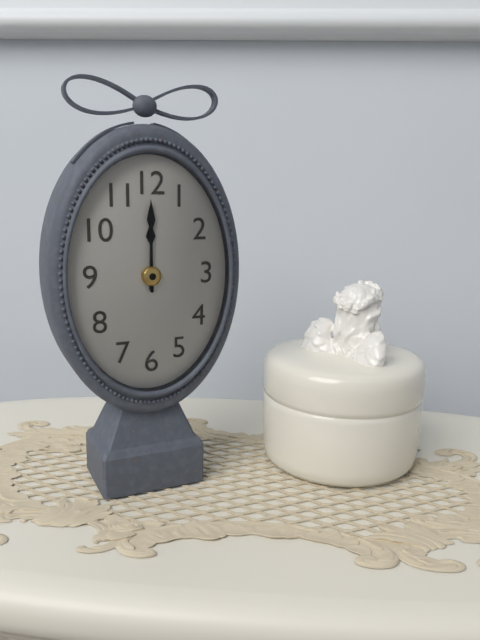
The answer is 12.00
